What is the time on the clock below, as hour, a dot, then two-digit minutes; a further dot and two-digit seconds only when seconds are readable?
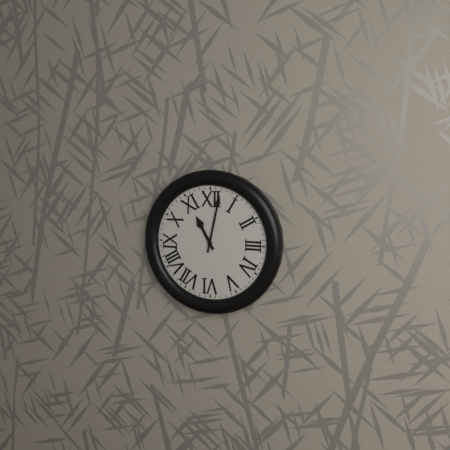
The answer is 11.02
